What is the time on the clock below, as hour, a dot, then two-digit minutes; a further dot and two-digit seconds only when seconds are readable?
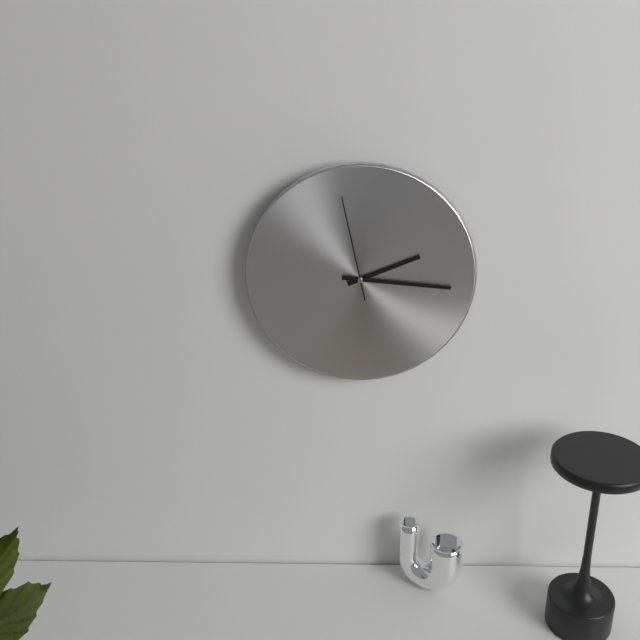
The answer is 2.16.58
